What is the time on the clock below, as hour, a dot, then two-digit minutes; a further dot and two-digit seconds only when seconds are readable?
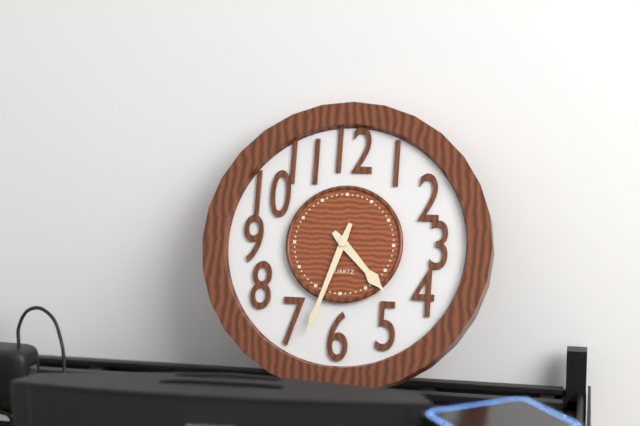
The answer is 4.33
